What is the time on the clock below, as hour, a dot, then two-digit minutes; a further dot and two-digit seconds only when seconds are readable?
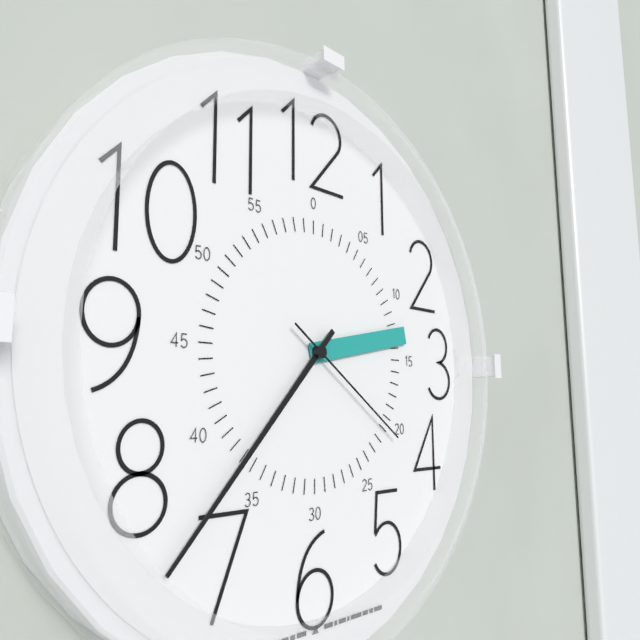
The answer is 2.37.21
